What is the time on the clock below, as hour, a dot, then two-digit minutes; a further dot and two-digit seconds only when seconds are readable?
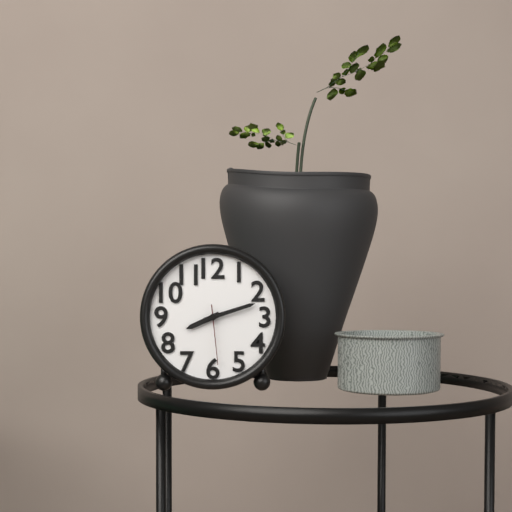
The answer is 8.12.29
